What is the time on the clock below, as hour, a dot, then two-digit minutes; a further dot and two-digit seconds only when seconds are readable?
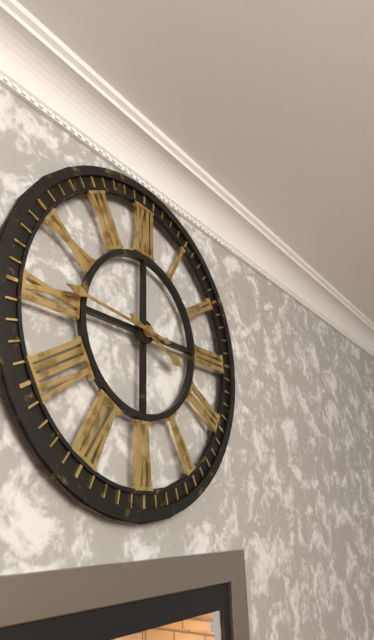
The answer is 3.46
